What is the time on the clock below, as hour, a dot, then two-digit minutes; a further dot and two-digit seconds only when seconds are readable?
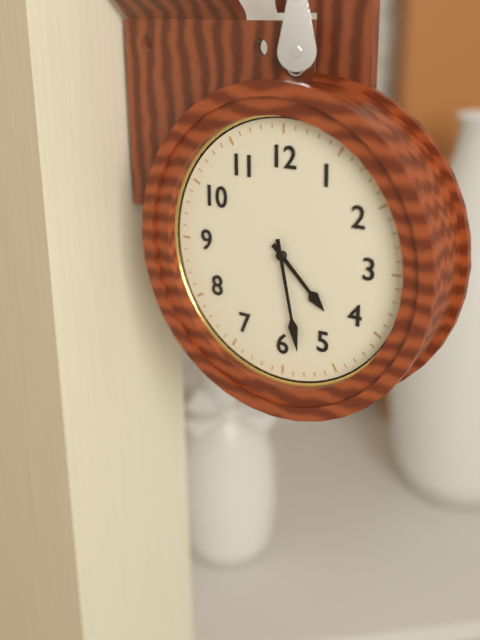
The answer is 4.28
